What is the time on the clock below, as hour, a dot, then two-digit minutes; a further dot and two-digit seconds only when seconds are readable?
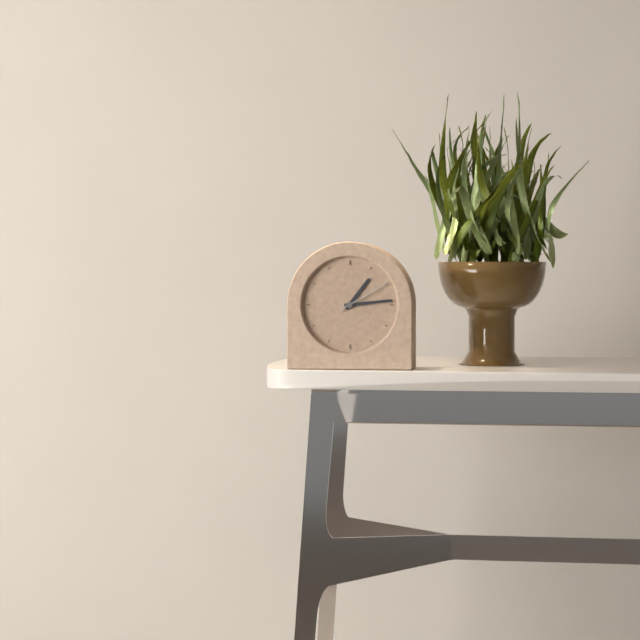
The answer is 1.14.10
